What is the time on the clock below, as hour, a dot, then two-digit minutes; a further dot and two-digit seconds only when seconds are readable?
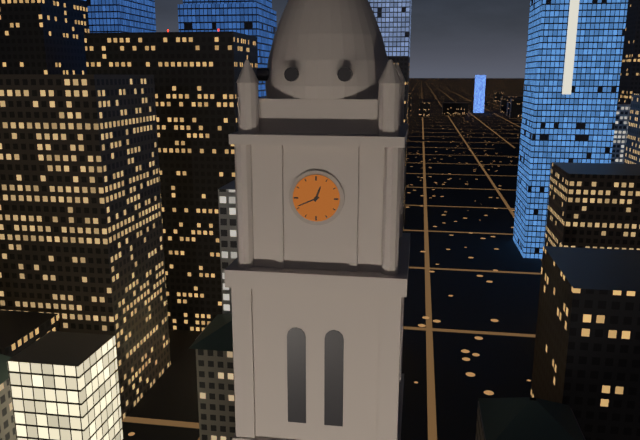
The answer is 12.41
